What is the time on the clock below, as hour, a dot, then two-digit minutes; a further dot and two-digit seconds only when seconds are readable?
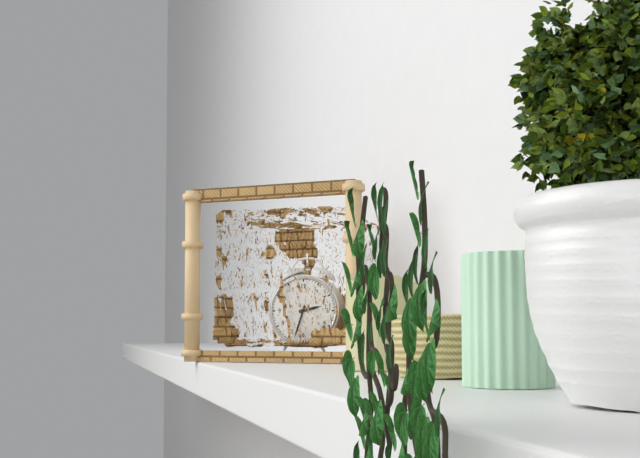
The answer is 2.33
